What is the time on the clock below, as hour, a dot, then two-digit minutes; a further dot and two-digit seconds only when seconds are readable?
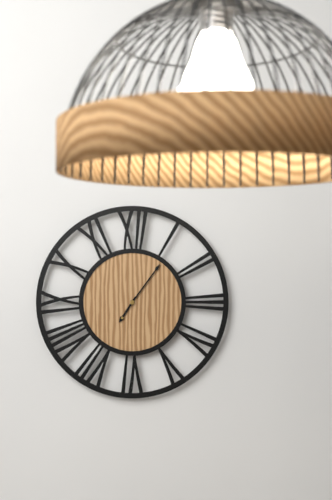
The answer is 7.06
